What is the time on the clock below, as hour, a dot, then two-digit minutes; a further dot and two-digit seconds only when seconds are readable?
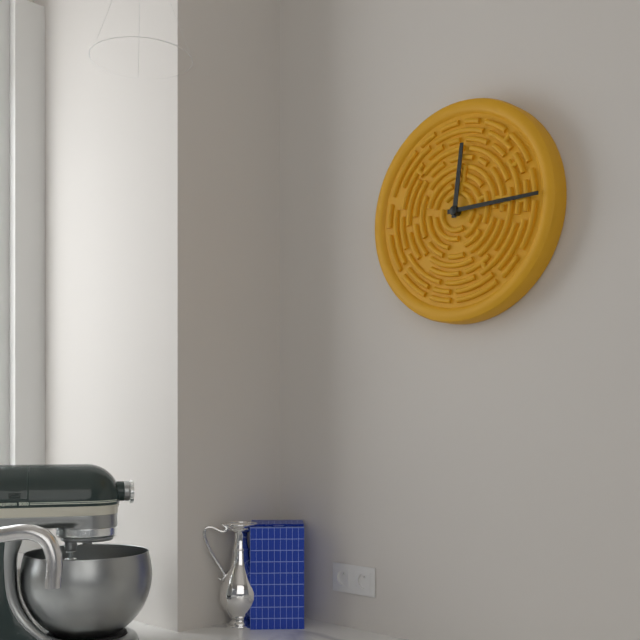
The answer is 12.15
